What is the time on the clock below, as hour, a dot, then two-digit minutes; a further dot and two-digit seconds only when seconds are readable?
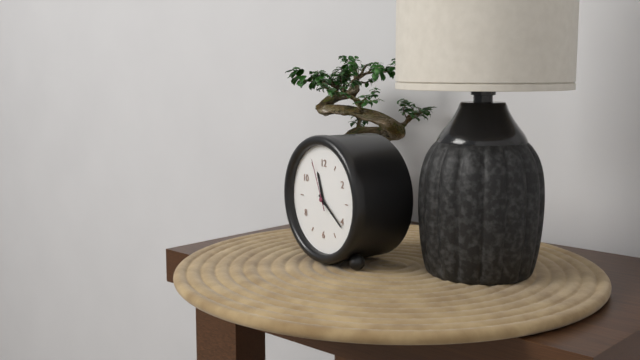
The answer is 11.21.56
